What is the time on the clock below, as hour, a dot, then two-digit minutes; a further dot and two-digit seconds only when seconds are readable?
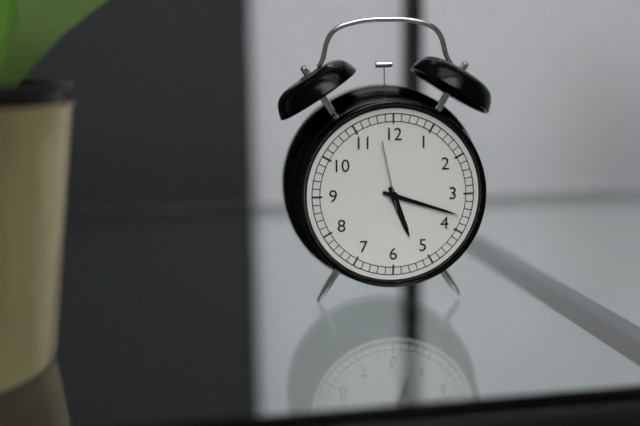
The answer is 5.18.58
